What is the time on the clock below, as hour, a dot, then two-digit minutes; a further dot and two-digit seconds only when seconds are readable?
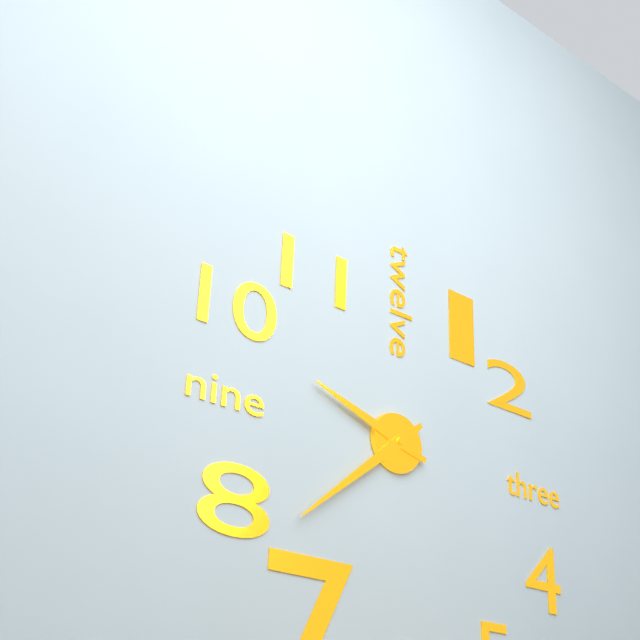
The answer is 9.38
